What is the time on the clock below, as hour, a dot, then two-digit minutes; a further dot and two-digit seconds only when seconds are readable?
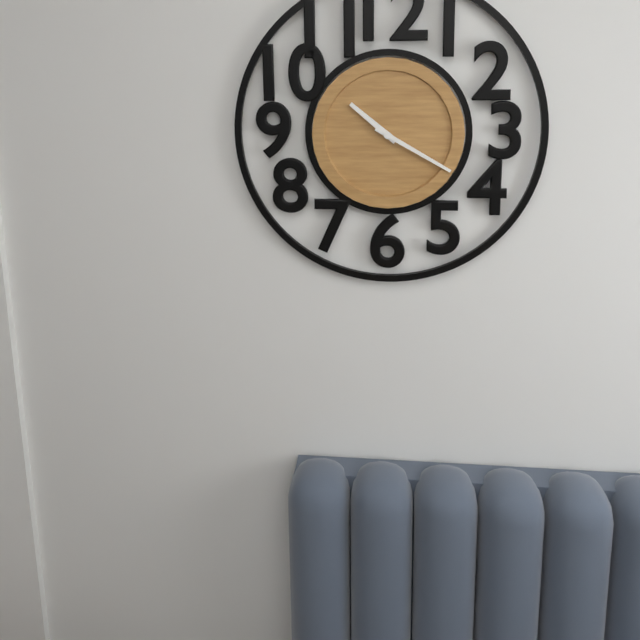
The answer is 10.20
